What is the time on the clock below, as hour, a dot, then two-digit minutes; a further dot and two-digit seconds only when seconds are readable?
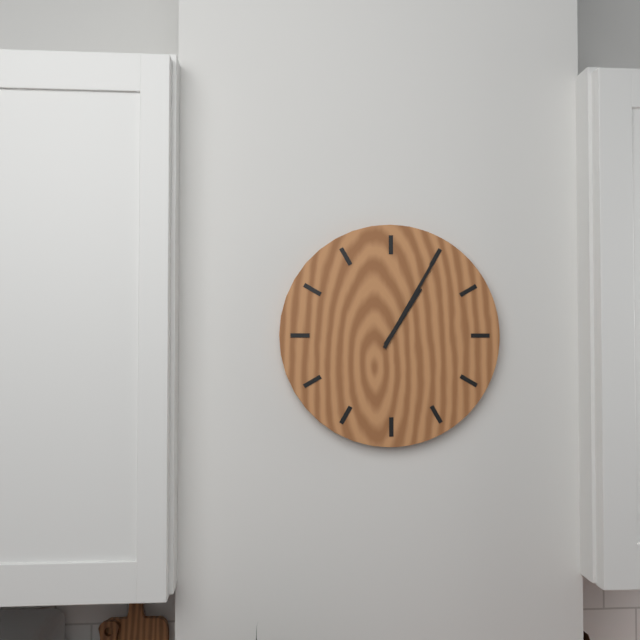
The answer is 1.05
